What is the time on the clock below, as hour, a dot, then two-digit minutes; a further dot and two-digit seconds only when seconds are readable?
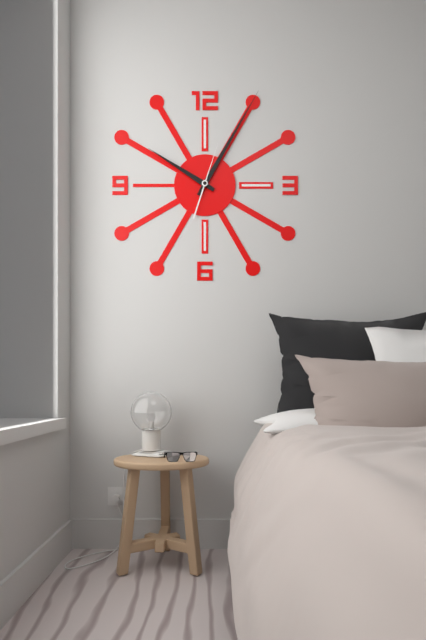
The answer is 10.05.03
